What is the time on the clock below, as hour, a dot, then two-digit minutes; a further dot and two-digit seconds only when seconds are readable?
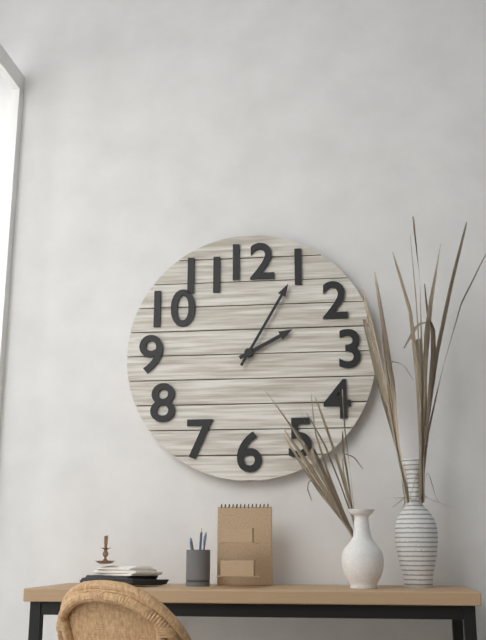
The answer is 2.05
